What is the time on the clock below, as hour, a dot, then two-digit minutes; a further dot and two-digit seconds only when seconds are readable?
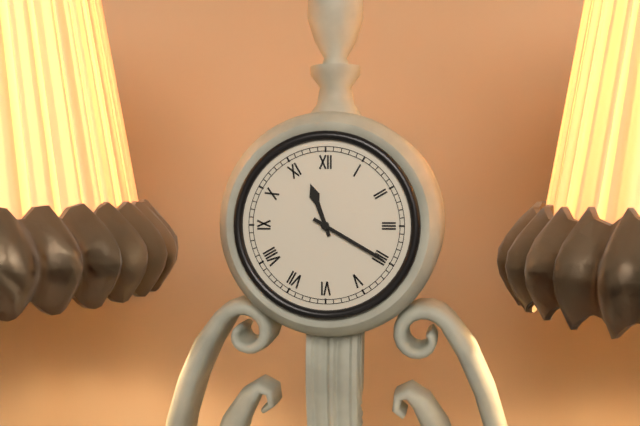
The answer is 11.20
